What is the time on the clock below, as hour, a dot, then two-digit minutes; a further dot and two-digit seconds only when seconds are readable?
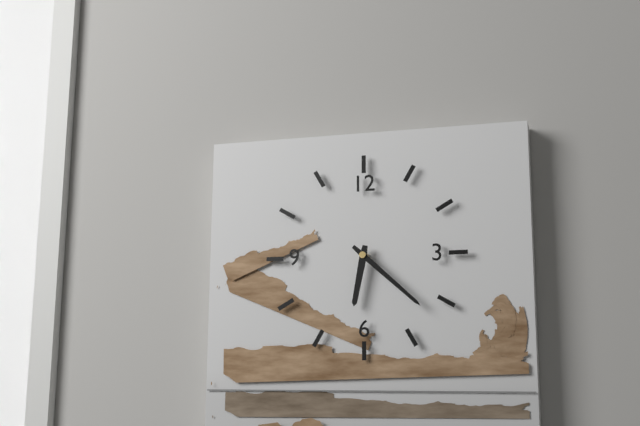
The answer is 6.22
